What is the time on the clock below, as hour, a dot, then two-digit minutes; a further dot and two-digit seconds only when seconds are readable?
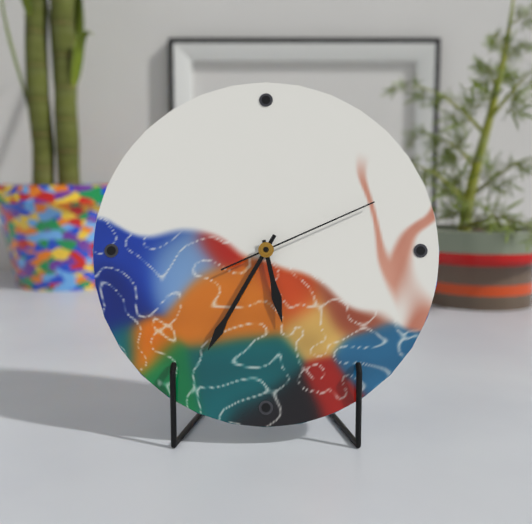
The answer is 5.35.11
